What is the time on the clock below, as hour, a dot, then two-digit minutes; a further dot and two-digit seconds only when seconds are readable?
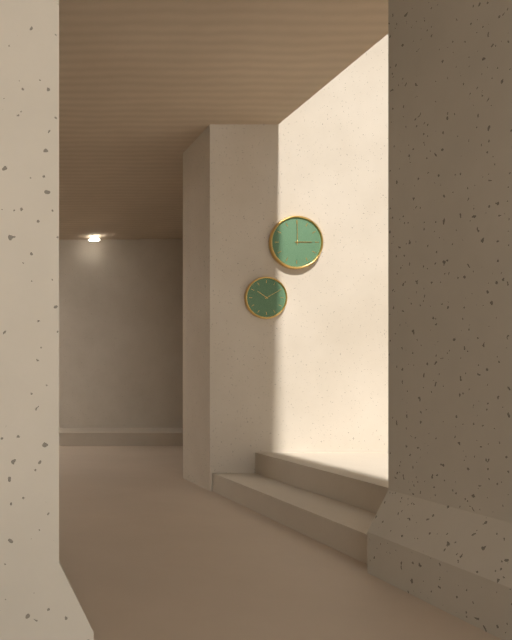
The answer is 3.00
